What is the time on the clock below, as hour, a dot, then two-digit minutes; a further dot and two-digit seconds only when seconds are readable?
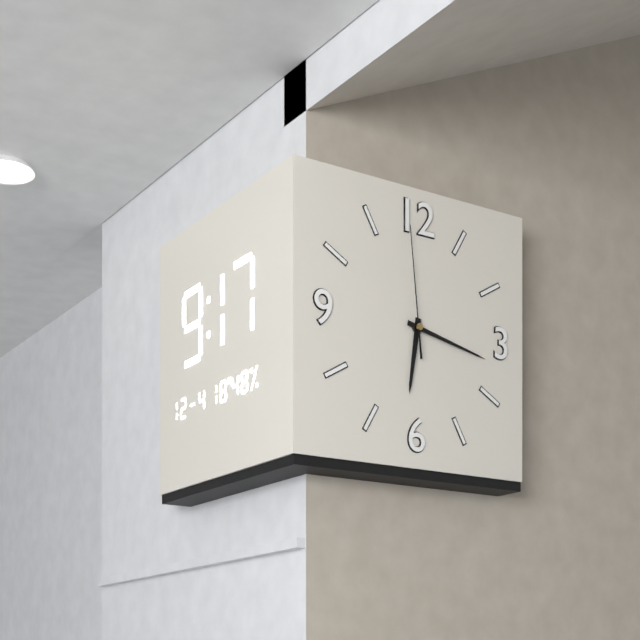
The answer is 6.17.59
